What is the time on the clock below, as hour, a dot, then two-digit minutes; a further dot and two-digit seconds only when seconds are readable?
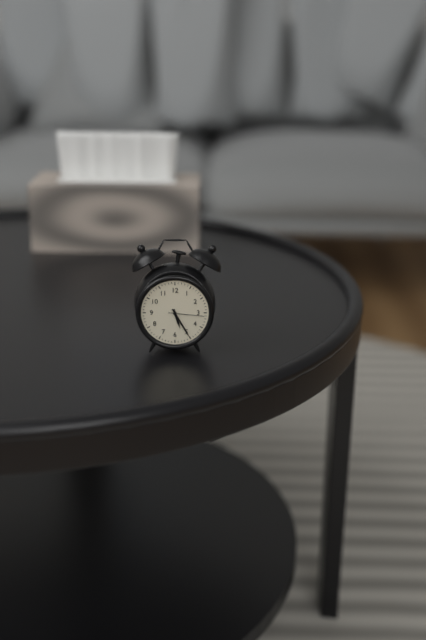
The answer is 5.25
